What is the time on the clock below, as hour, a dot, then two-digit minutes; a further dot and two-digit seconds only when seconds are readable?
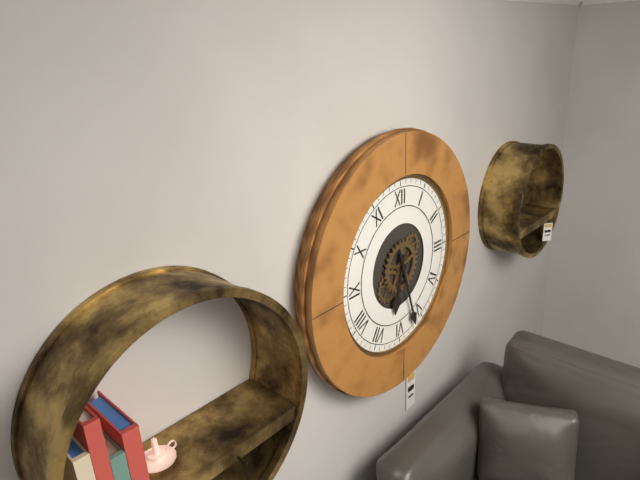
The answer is 6.27
